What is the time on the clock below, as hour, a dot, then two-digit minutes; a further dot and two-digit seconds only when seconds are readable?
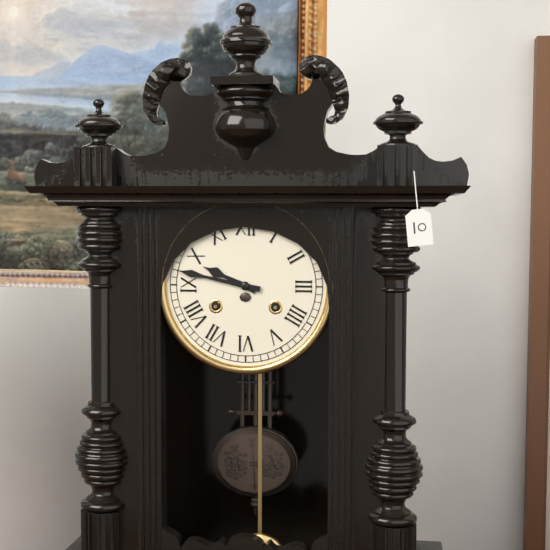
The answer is 9.47
